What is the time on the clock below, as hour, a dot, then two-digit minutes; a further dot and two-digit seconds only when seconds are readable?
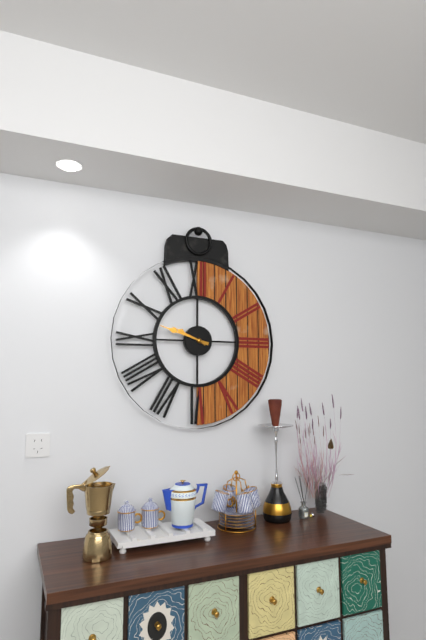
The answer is 9.48
